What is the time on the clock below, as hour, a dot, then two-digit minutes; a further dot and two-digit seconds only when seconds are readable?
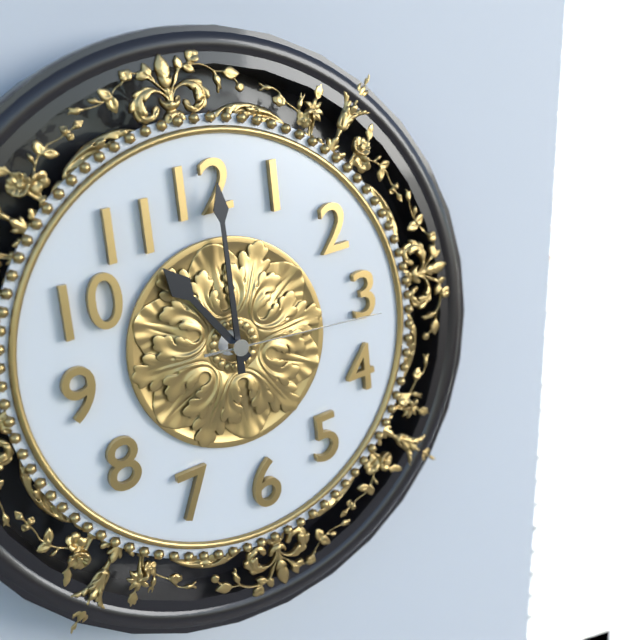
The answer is 11.01.16
